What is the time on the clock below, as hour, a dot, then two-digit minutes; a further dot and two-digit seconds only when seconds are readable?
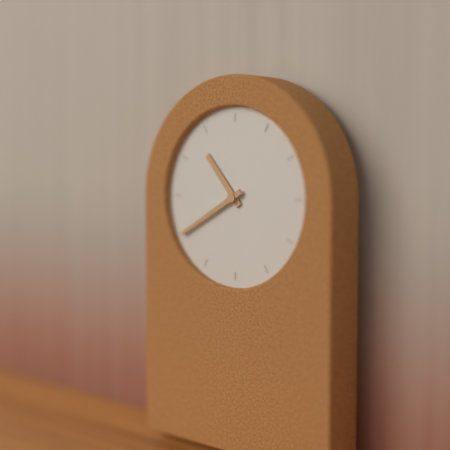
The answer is 10.40
